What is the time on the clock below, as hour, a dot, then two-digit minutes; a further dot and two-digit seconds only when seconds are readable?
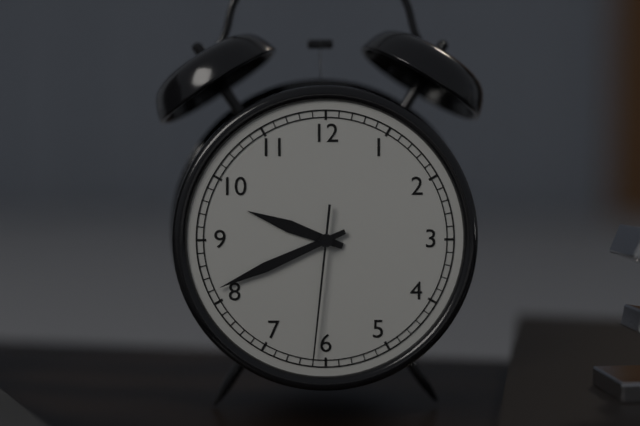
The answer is 9.41.31
